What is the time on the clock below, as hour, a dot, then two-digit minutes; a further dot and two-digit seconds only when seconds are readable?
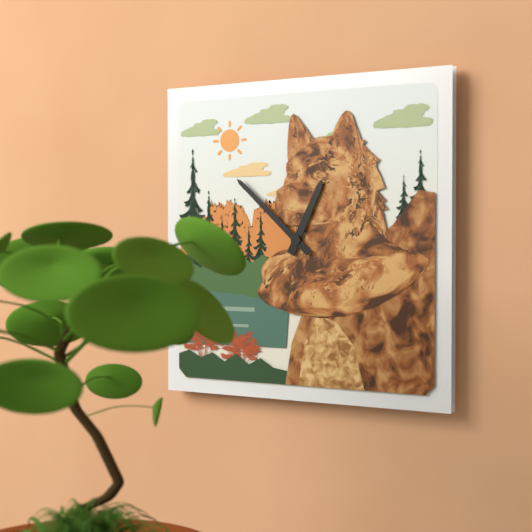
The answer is 12.52
